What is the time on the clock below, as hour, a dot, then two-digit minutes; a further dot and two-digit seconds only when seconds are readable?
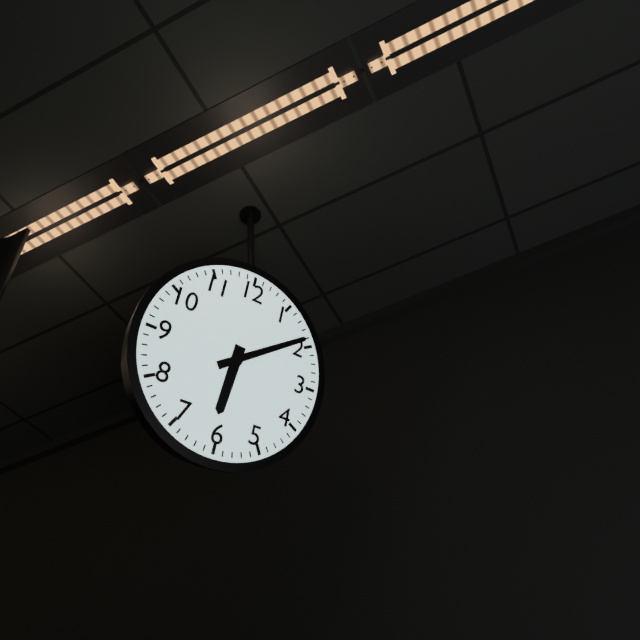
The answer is 6.09
